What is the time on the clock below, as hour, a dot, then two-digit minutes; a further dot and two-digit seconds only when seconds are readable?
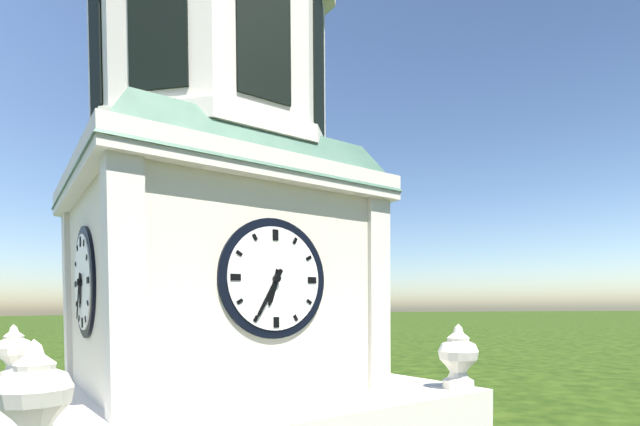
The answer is 6.35
